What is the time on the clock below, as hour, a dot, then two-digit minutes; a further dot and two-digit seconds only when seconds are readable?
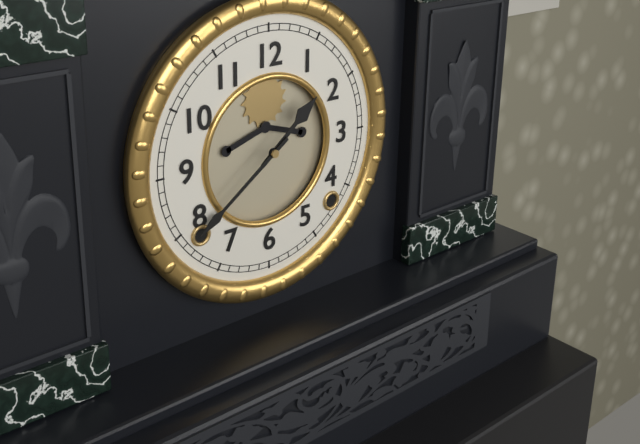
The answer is 1.39
